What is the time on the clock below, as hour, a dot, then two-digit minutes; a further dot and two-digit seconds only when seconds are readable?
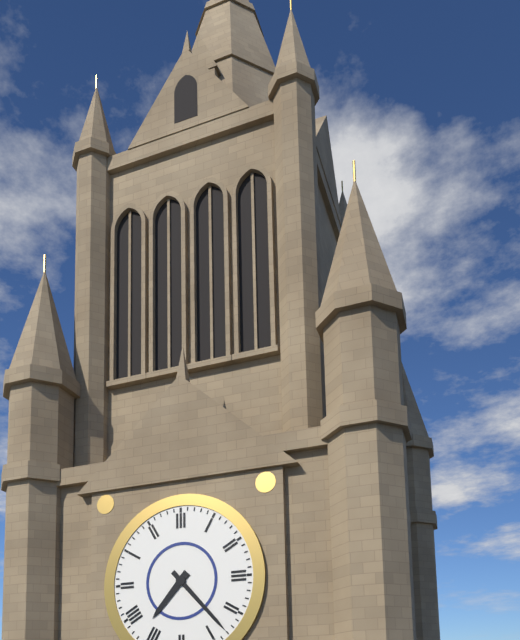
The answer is 7.23
